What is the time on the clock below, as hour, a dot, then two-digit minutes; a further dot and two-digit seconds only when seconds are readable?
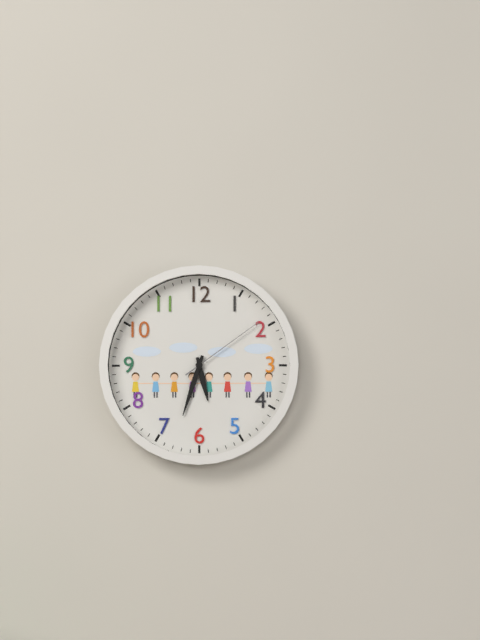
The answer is 5.33.09
